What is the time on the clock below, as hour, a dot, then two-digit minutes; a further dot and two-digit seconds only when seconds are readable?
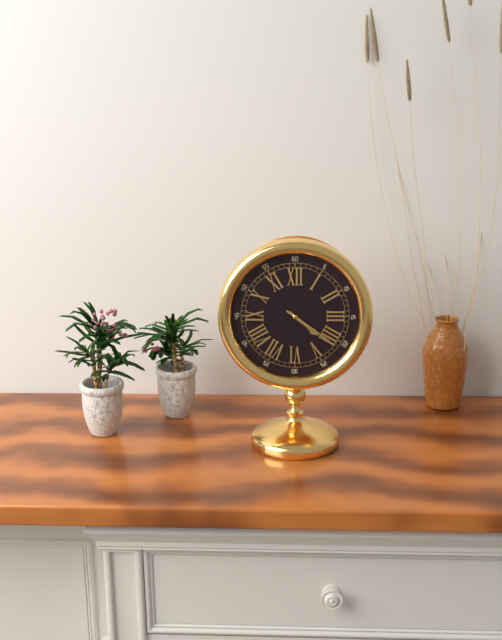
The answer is 4.21
